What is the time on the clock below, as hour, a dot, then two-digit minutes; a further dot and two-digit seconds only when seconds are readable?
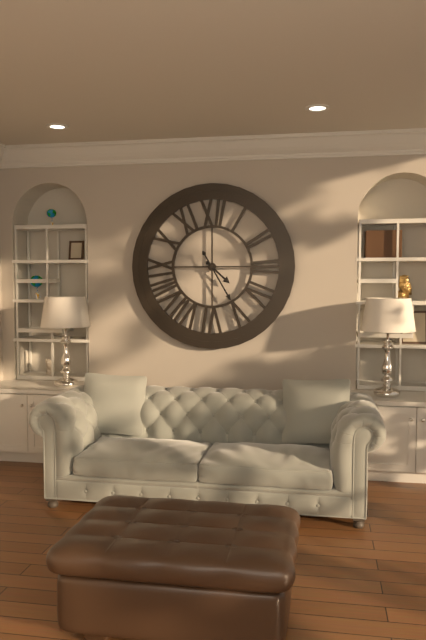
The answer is 4.25
